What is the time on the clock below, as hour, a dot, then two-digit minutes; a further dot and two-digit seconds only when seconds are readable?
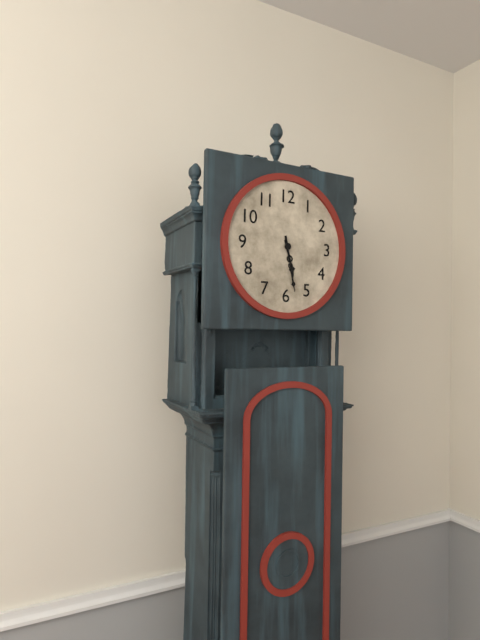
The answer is 5.28
